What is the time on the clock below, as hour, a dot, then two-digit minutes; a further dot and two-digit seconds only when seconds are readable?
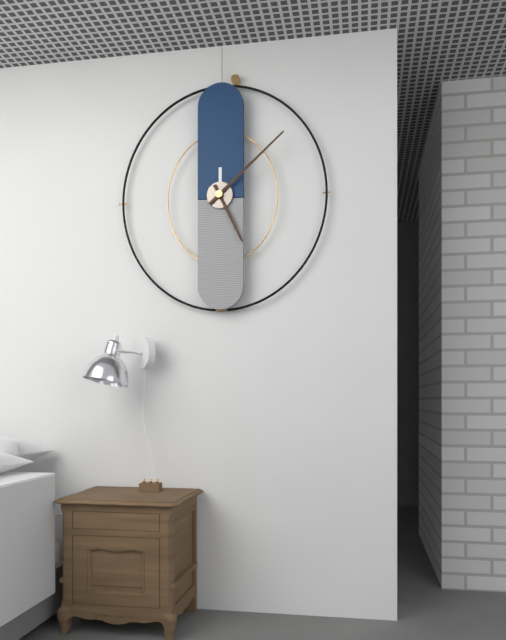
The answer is 5.08
